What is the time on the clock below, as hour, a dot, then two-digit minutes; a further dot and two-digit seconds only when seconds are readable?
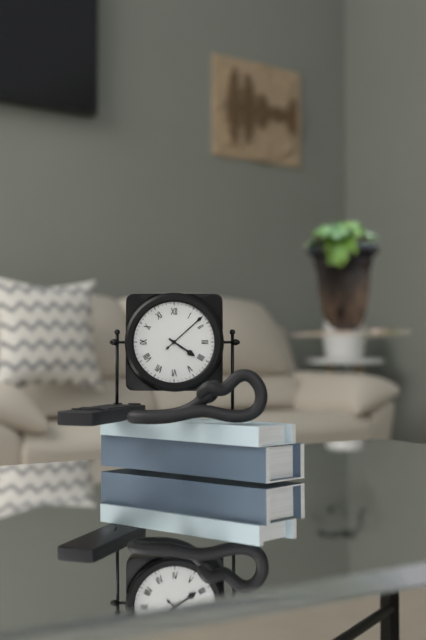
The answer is 4.08
